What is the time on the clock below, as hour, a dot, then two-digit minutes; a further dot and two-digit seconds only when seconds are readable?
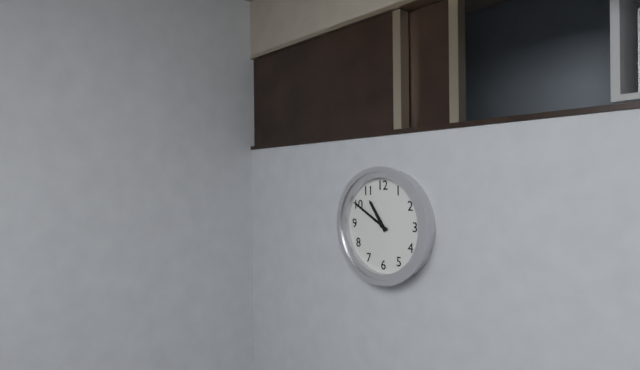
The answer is 10.50
